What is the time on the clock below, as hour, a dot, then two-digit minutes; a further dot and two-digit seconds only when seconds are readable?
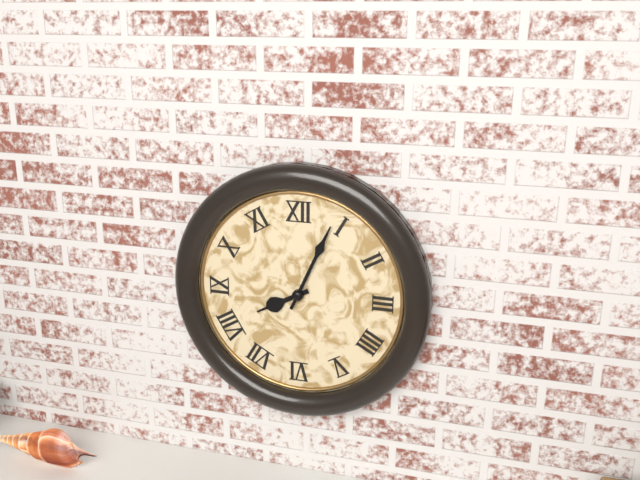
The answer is 8.04
